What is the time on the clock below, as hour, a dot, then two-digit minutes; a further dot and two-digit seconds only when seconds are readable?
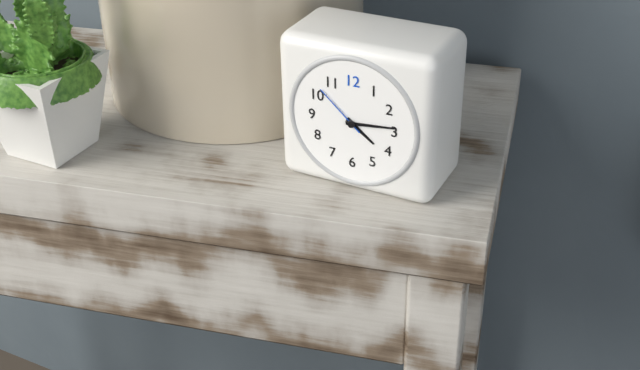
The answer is 4.14.52
